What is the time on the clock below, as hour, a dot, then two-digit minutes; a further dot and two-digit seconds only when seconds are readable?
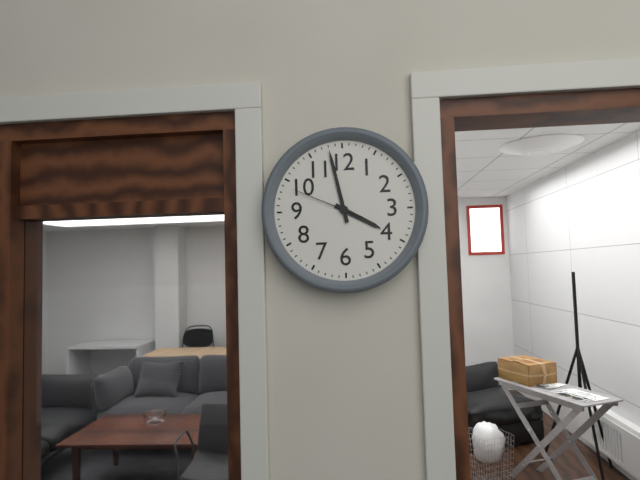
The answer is 3.58.49
